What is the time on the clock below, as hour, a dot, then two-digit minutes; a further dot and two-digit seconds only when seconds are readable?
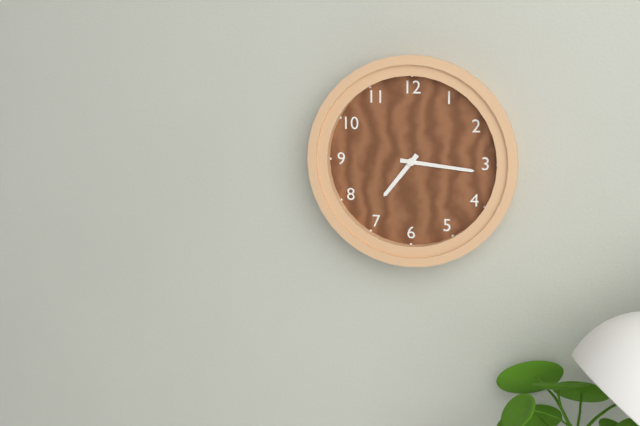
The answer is 7.16
